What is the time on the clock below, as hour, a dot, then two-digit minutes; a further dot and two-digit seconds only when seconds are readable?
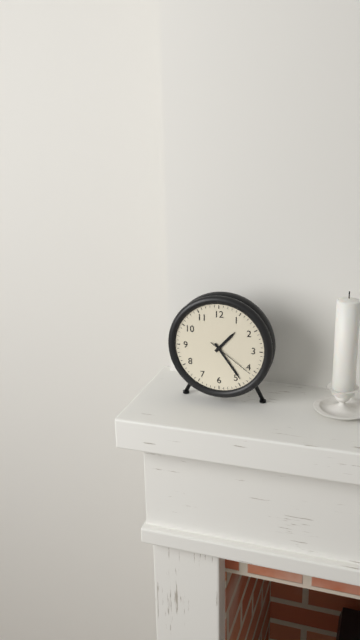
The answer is 1.24.21
